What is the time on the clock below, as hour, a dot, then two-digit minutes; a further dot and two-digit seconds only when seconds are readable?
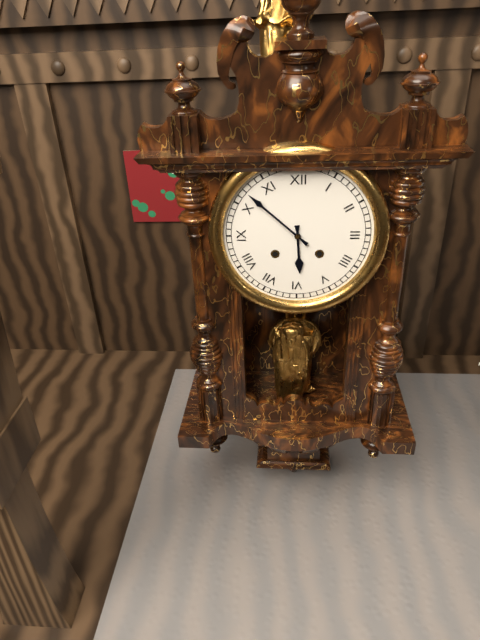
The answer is 5.52
